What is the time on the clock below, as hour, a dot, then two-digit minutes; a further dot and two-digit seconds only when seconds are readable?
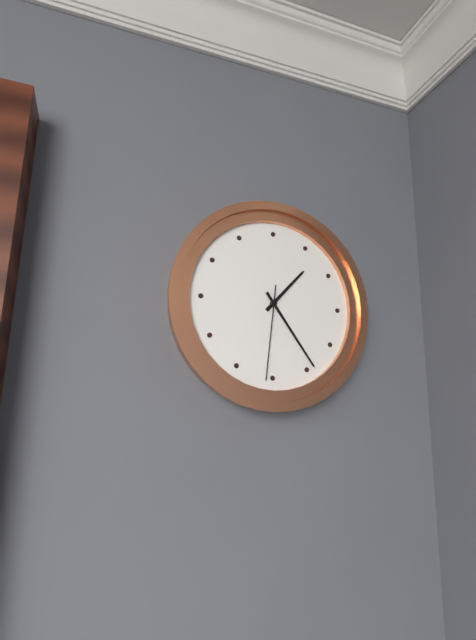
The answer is 1.24.31
